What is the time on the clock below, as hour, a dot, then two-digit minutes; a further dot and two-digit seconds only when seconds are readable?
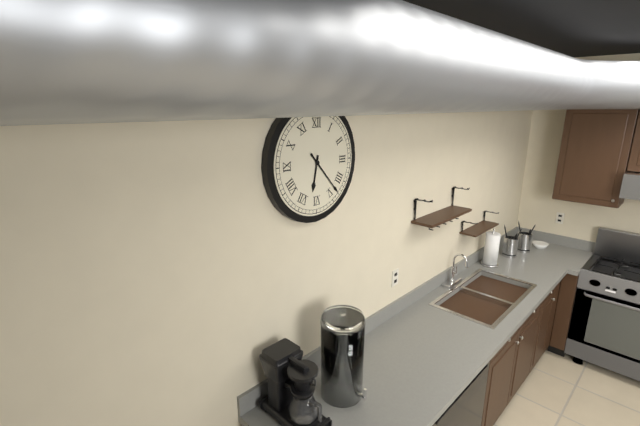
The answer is 6.23
